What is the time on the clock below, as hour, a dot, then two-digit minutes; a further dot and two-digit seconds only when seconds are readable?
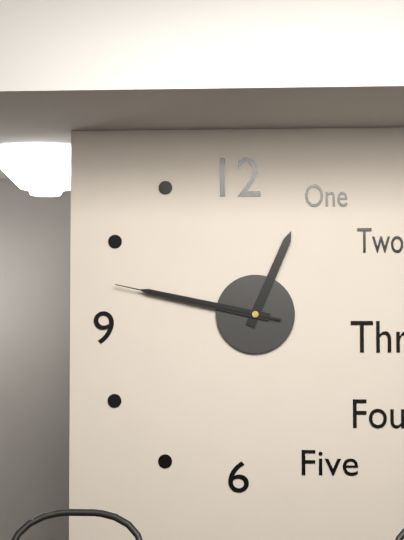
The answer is 12.47.47
